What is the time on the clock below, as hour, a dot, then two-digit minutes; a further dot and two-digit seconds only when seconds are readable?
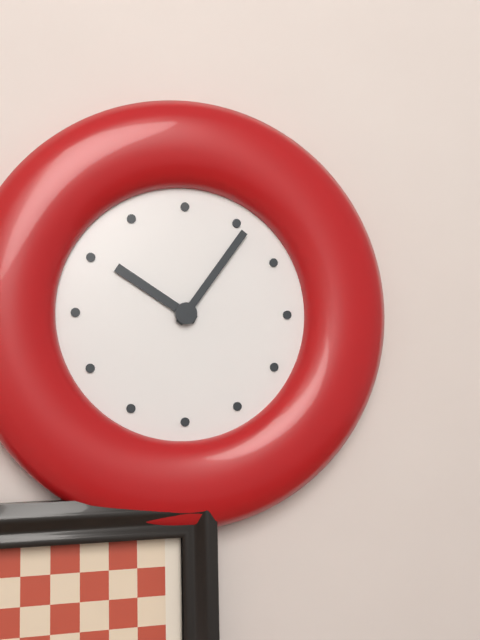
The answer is 10.06
